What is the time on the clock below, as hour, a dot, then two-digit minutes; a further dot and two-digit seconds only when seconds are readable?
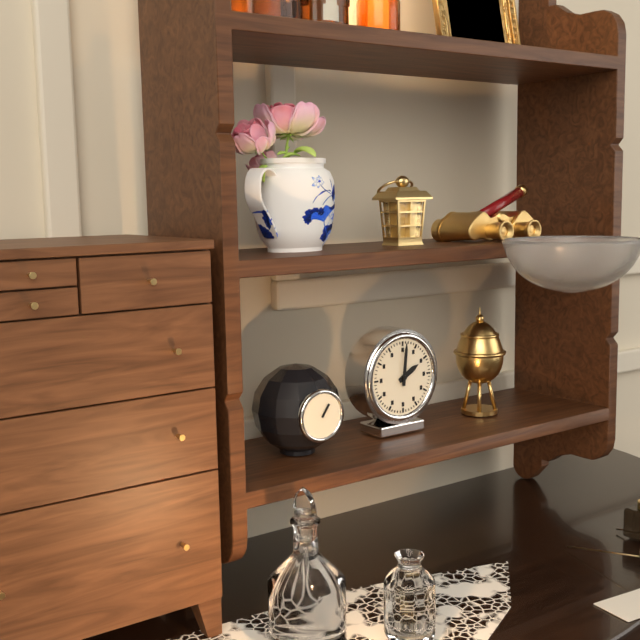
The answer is 2.01
